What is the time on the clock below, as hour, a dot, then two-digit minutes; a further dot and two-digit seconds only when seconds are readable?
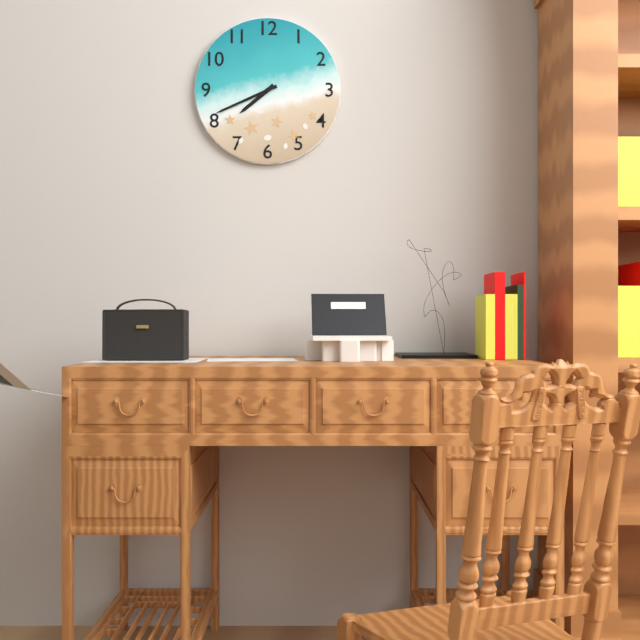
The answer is 7.41
